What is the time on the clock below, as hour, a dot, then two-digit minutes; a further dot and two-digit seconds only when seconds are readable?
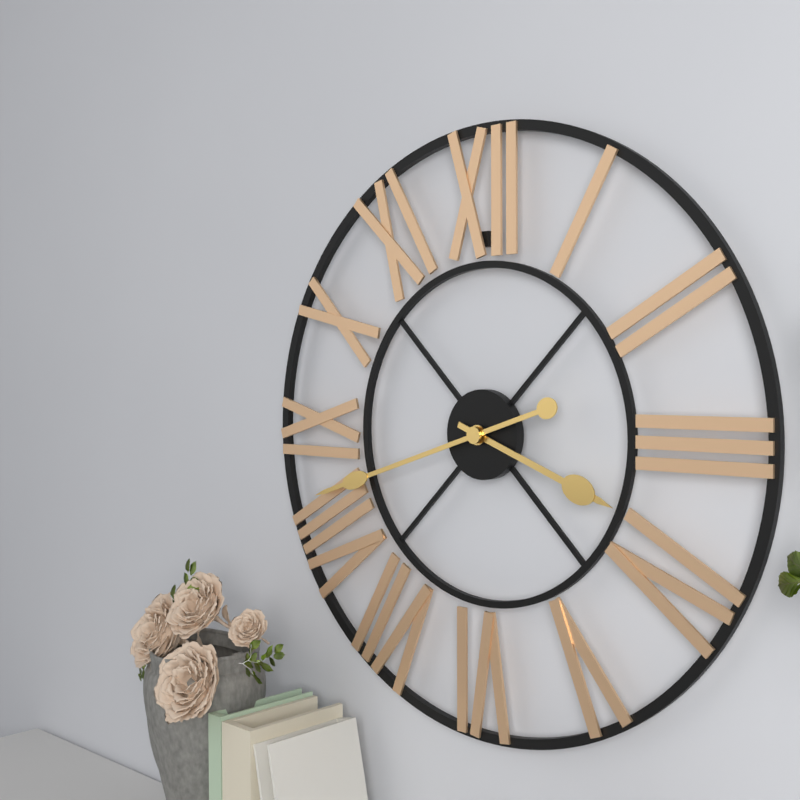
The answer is 3.42
